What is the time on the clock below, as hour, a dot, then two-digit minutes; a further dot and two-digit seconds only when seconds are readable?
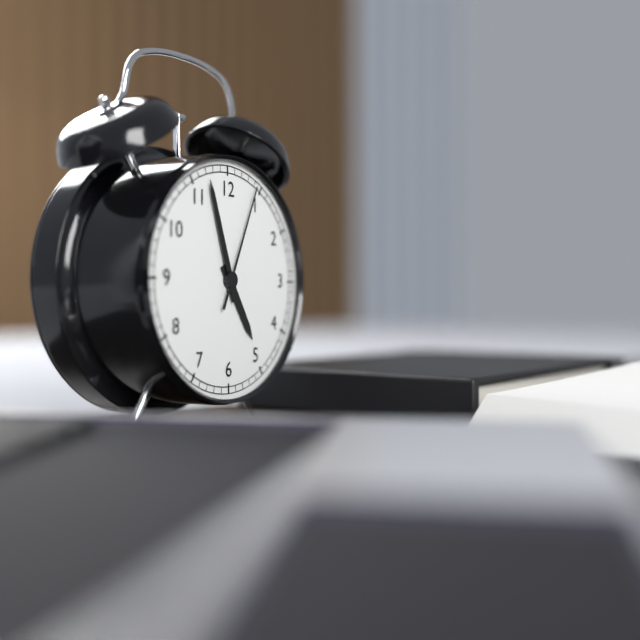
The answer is 4.57.04
